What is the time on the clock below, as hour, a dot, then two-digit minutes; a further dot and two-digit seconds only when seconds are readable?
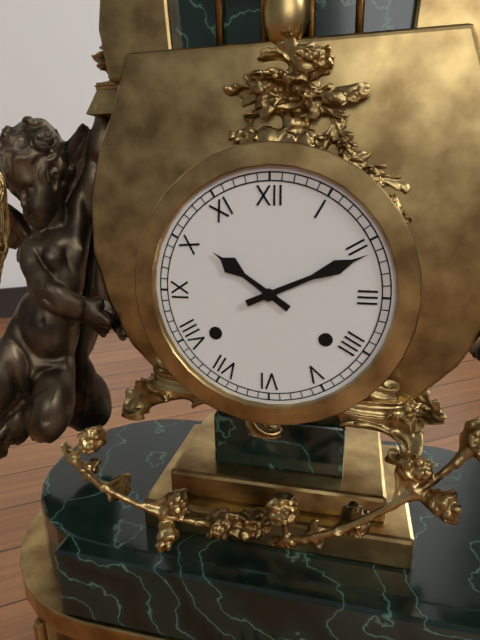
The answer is 10.11
